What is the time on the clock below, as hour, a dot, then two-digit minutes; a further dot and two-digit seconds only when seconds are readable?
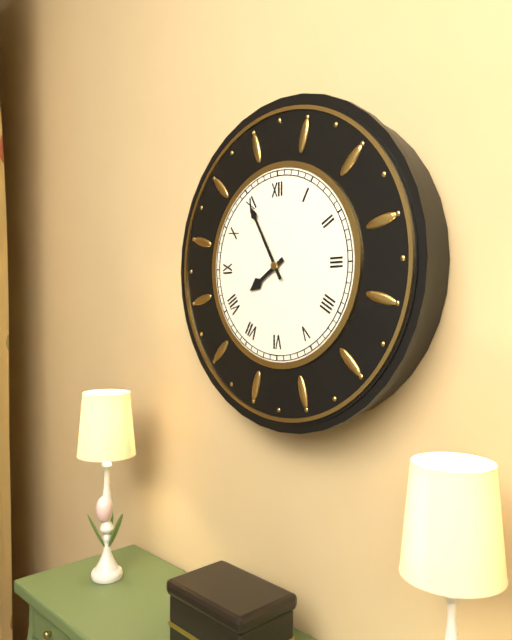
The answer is 7.55
